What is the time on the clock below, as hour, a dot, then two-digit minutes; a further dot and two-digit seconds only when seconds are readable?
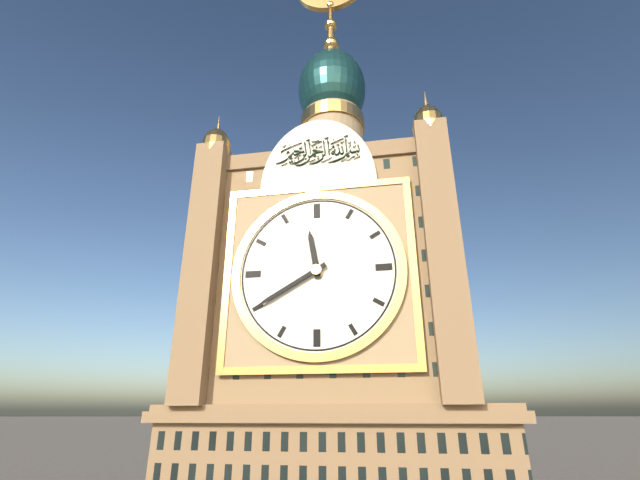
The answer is 11.40
